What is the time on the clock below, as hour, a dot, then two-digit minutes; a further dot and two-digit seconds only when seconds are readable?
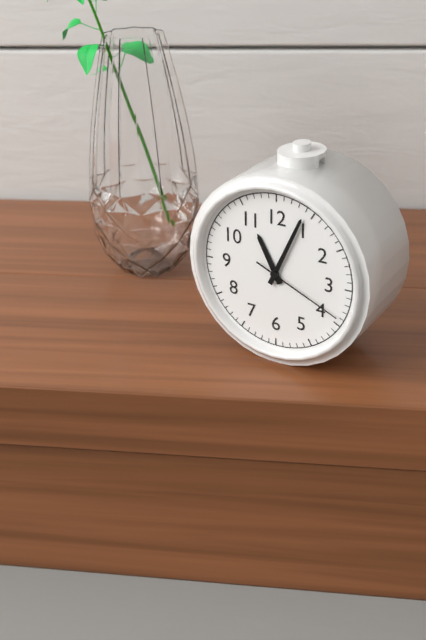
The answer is 11.04.19
